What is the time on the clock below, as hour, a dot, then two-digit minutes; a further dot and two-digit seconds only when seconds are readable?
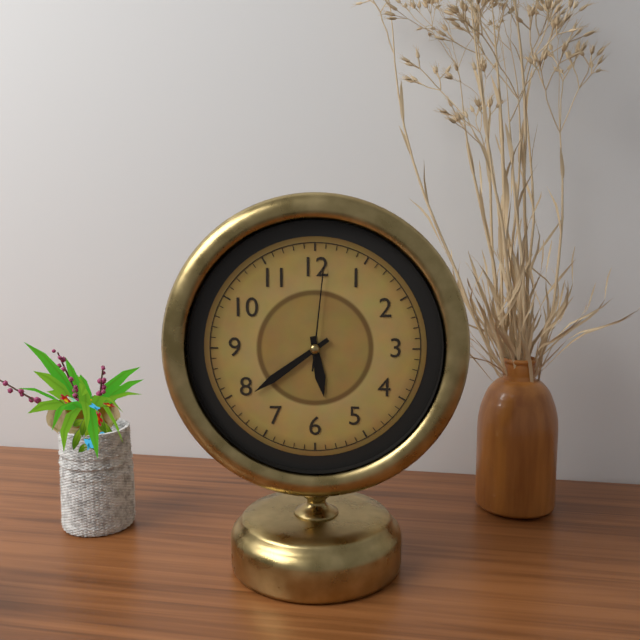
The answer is 5.39.01
